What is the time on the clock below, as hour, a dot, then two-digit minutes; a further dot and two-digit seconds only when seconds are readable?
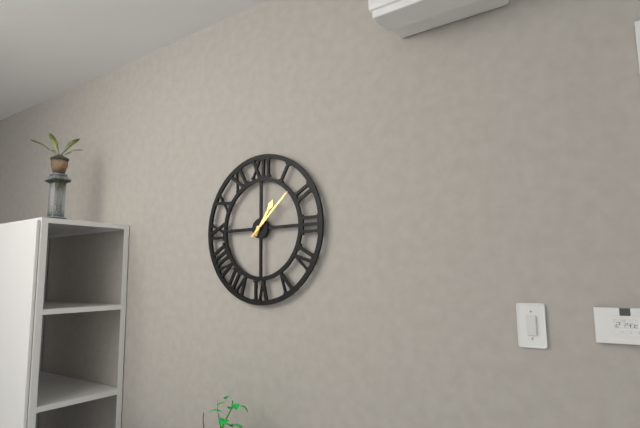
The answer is 1.08
